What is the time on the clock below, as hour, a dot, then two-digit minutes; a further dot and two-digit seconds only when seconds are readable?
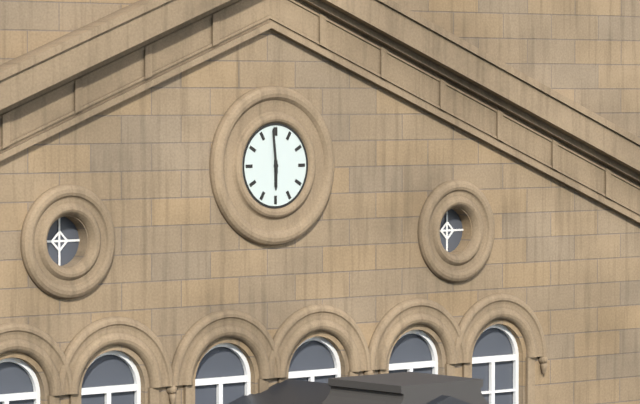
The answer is 5.59
